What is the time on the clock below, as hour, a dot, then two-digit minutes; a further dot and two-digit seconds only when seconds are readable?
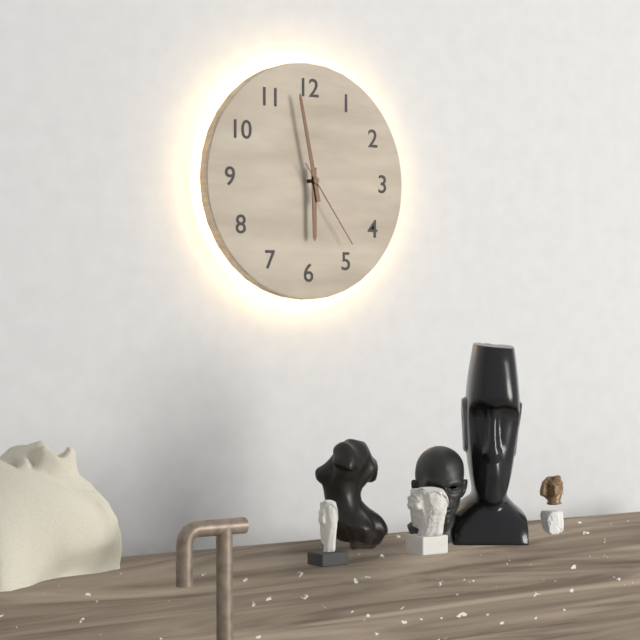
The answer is 5.58.24
